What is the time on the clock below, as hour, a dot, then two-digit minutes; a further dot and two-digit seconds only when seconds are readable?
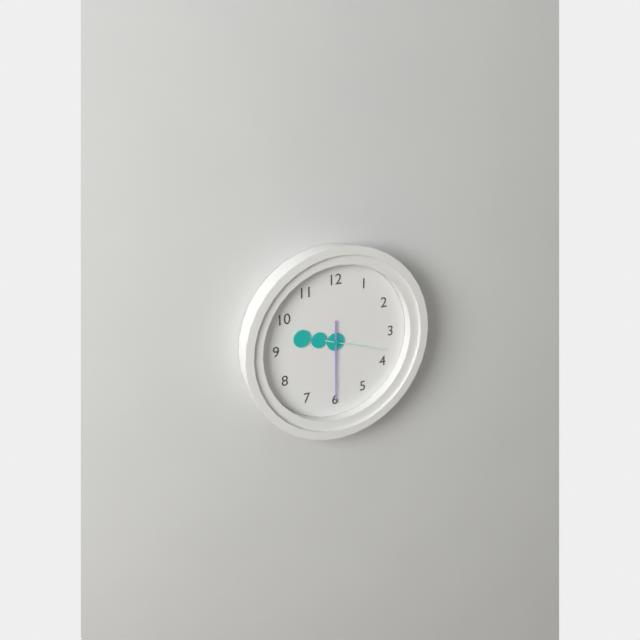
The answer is 9.30.18
